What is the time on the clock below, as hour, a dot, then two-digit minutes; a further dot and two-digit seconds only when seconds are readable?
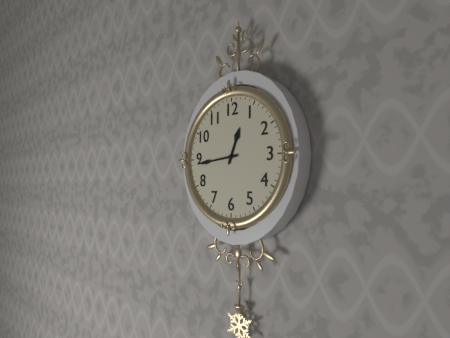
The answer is 12.44
